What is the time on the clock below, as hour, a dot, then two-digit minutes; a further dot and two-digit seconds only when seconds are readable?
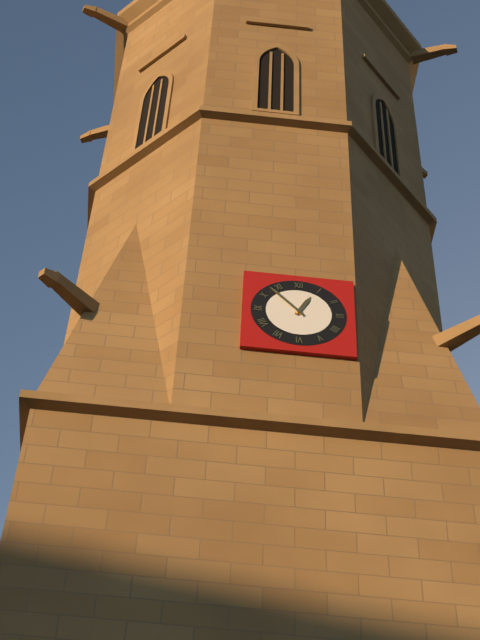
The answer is 12.53
